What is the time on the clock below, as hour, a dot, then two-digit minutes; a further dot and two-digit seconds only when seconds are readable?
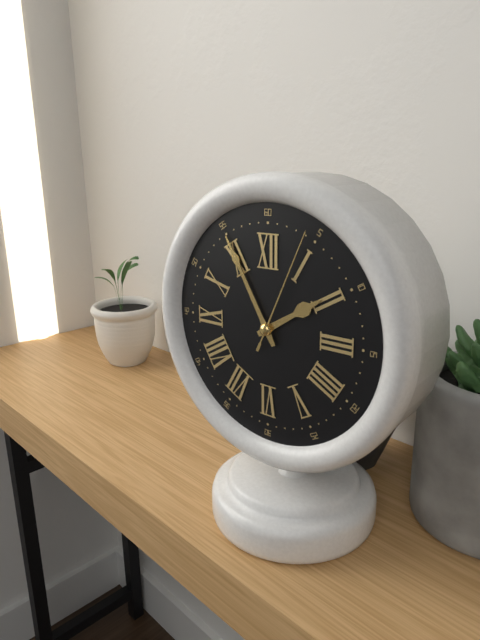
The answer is 1.55.04
